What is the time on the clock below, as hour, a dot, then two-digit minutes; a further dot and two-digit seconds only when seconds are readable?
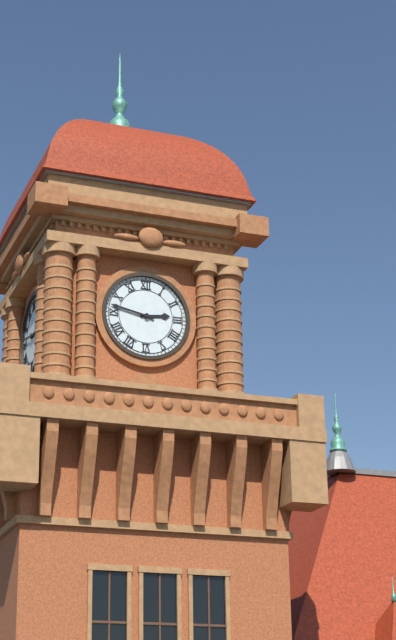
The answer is 2.47
